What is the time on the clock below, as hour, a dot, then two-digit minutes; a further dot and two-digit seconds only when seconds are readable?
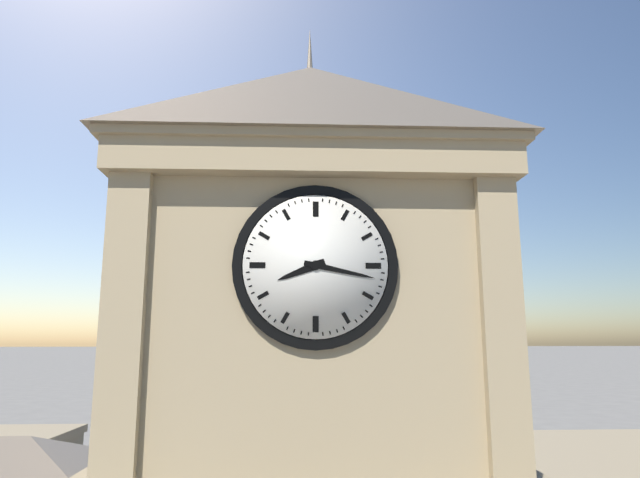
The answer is 8.17
